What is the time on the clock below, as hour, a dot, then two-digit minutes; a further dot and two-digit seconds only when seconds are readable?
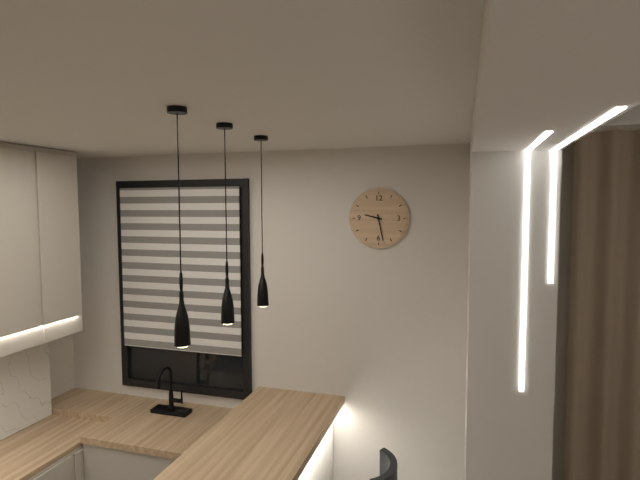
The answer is 9.28
